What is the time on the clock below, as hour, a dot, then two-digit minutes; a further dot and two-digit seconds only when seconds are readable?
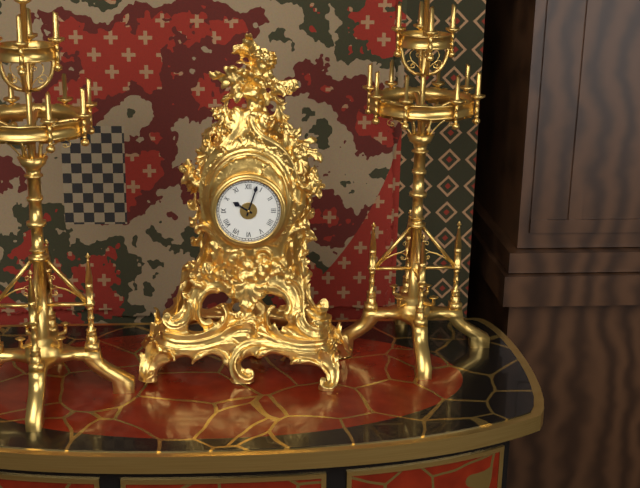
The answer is 10.03
